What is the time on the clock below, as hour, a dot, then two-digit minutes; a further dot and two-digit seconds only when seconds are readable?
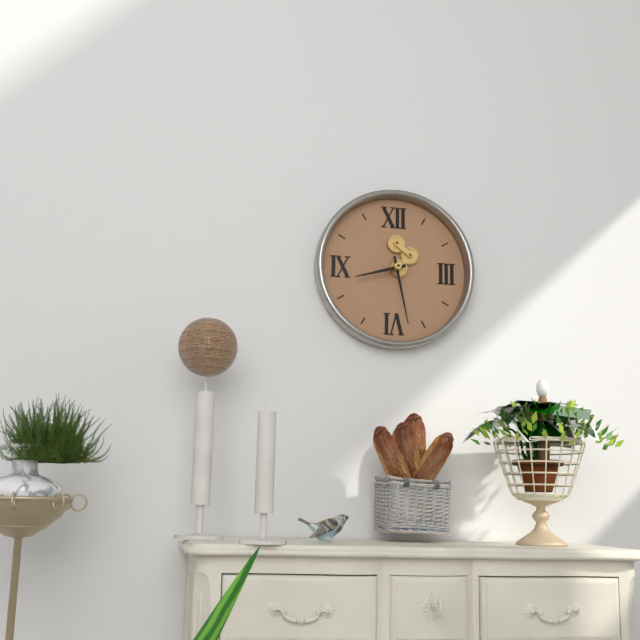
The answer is 8.28
